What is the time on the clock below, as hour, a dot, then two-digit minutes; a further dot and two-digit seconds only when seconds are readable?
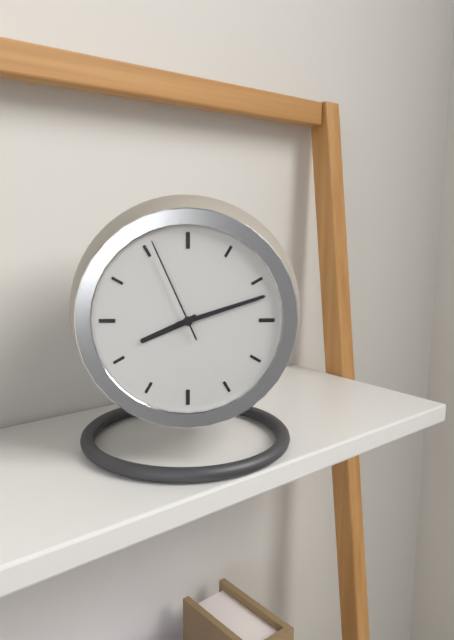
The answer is 8.12.56
